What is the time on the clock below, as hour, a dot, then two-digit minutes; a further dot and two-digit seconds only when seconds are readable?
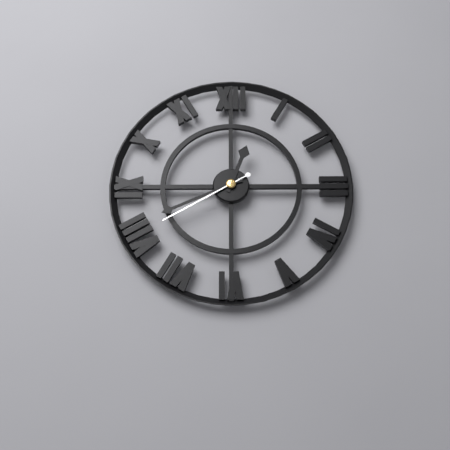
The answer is 12.41.40
